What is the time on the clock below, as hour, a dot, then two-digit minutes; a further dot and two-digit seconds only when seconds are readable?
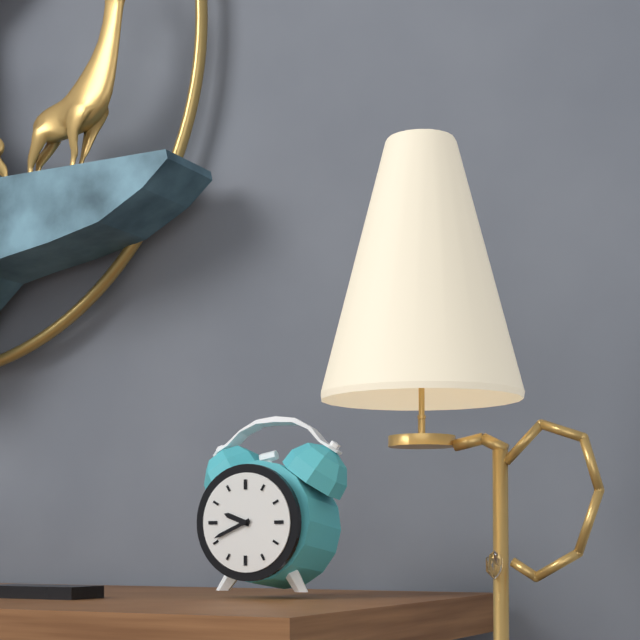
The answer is 9.41
